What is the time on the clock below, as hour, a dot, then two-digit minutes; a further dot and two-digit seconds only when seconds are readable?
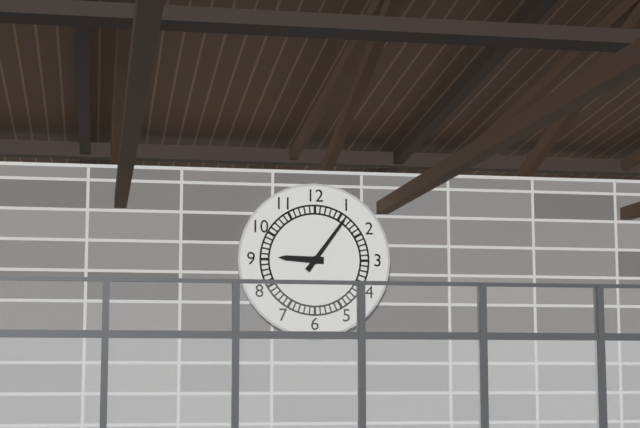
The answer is 9.06
